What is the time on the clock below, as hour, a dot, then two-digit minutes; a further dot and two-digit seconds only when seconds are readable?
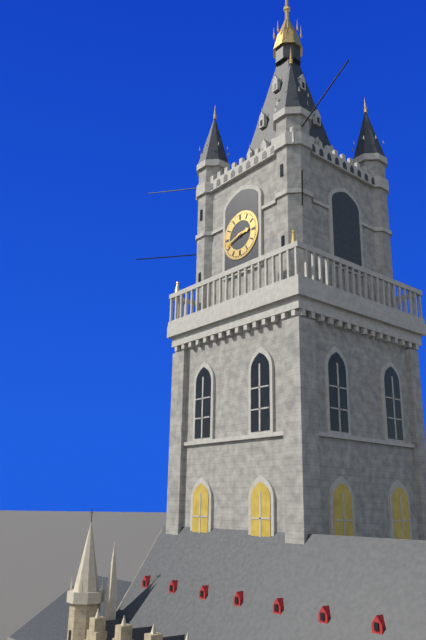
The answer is 2.42
